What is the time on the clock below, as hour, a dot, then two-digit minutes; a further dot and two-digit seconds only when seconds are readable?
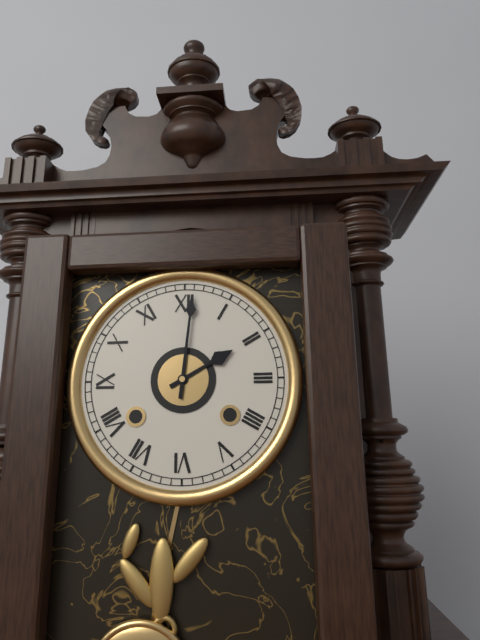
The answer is 2.01
